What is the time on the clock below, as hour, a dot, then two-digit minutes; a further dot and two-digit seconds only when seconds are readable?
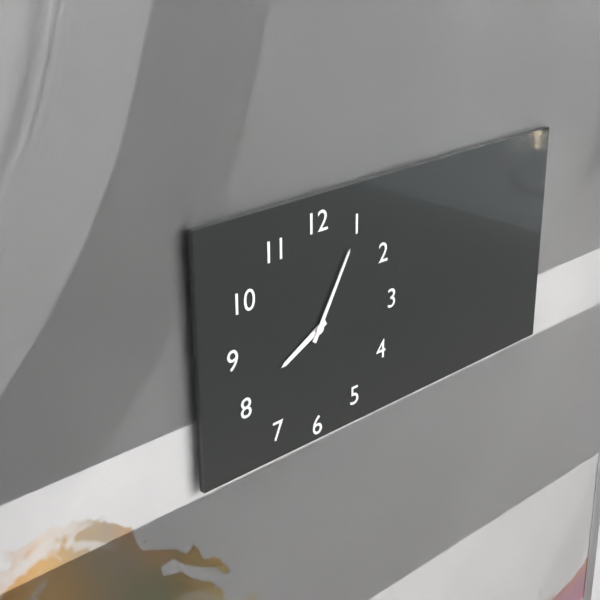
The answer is 8.05
